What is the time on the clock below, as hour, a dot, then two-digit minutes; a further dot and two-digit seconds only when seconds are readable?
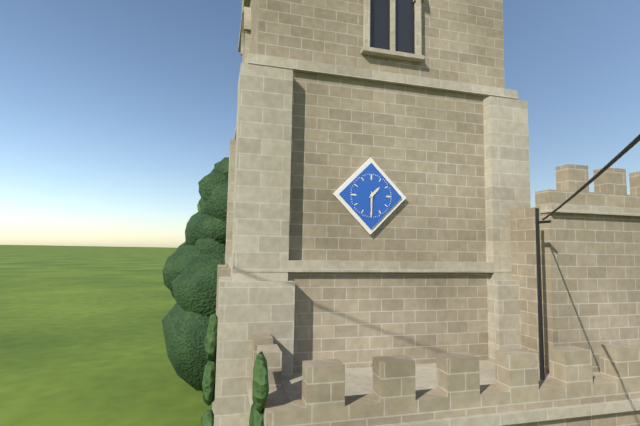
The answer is 1.30
